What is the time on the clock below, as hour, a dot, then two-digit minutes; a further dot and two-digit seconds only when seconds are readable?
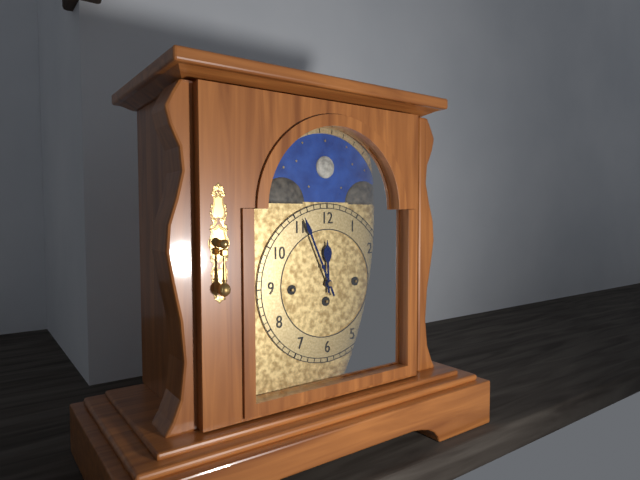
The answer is 11.56
